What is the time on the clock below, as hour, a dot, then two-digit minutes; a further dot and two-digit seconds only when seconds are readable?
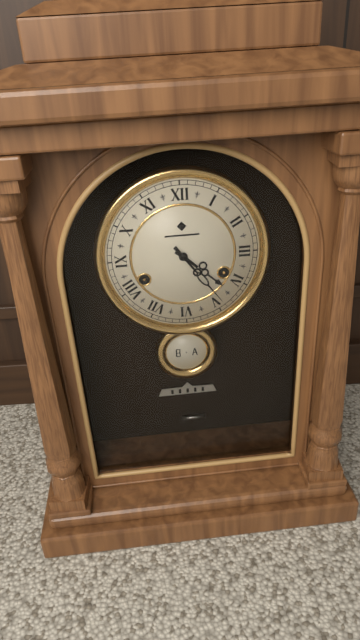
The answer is 4.24
